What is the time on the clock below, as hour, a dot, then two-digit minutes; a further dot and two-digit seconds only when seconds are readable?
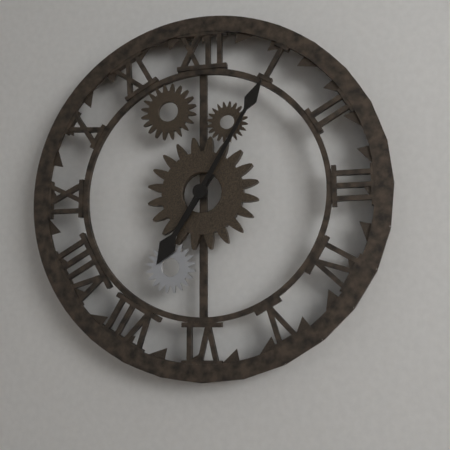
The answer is 7.05
